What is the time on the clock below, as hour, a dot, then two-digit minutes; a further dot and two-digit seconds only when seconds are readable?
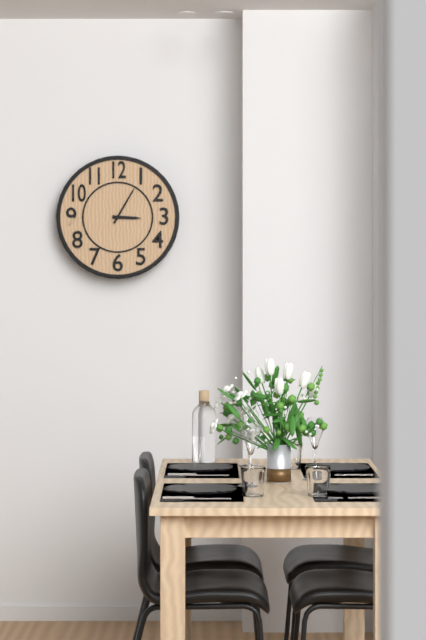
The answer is 3.05
